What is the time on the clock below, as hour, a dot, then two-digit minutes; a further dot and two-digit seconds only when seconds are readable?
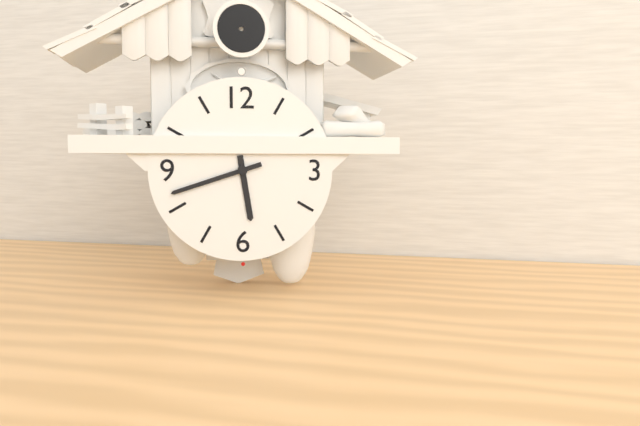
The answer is 5.42
